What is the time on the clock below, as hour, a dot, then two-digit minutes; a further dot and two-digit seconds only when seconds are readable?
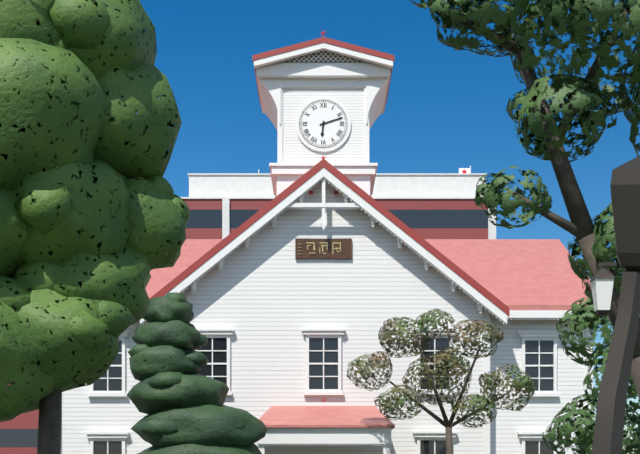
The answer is 6.12
